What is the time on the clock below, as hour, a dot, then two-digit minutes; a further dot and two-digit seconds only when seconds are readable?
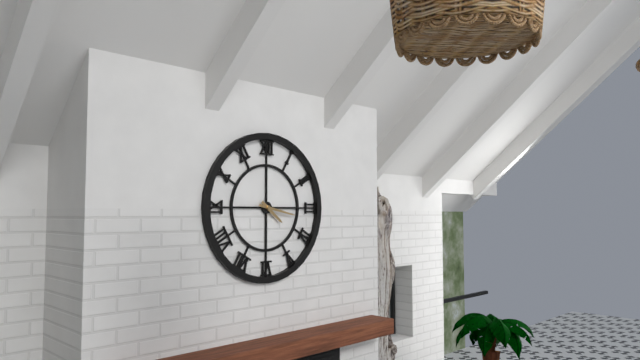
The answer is 4.17
